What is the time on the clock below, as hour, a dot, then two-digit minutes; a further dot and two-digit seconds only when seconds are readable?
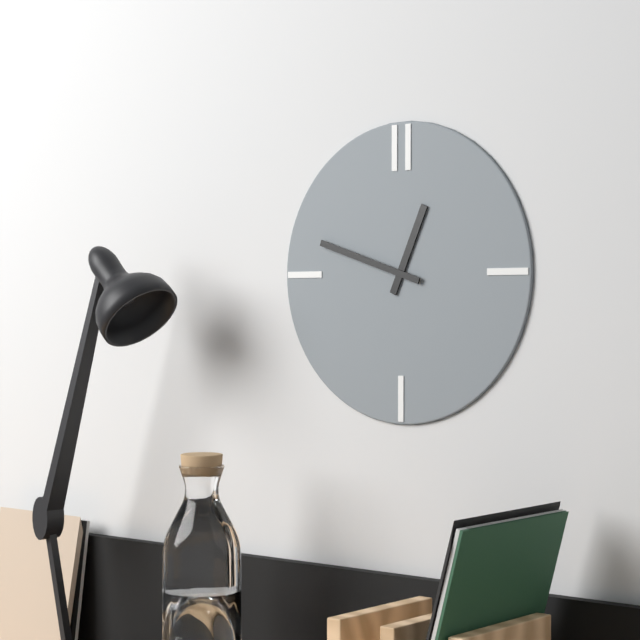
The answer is 12.48
